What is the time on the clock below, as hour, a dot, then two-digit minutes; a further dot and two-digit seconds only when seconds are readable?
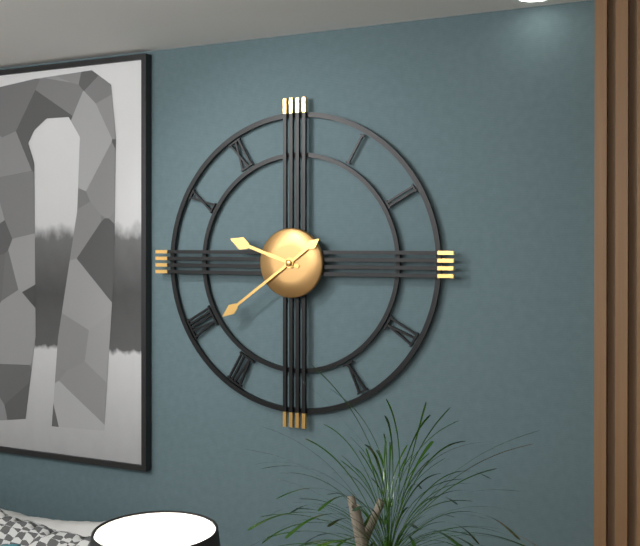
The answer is 9.39
